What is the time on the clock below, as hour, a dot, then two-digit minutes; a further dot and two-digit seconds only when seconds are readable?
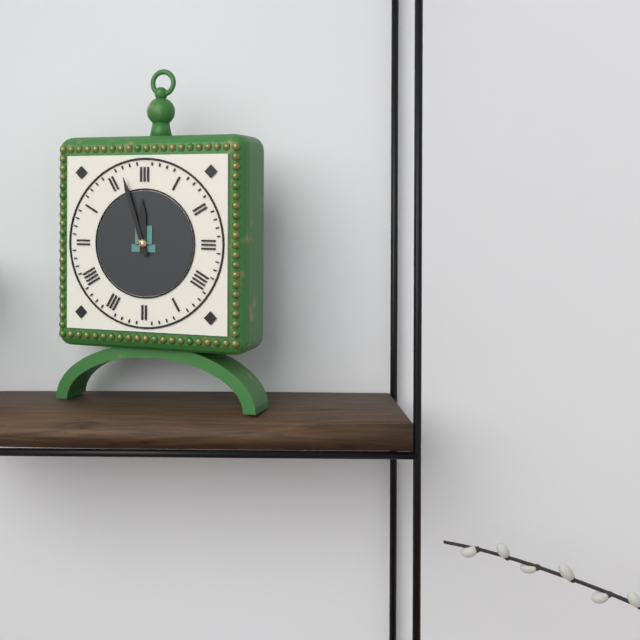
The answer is 11.57
